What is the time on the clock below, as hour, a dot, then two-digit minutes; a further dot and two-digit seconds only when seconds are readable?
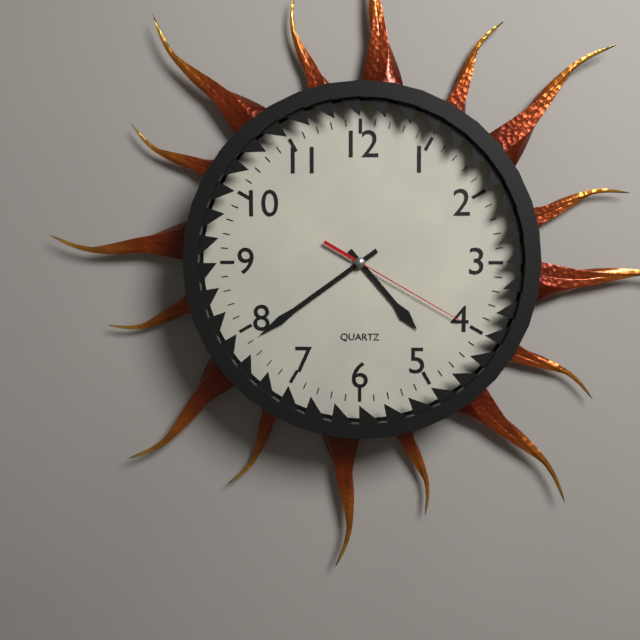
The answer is 4.39.20
